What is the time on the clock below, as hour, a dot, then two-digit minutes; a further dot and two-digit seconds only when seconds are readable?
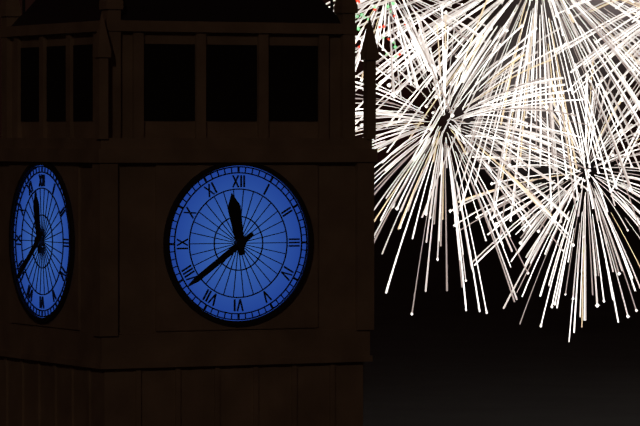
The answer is 11.39
